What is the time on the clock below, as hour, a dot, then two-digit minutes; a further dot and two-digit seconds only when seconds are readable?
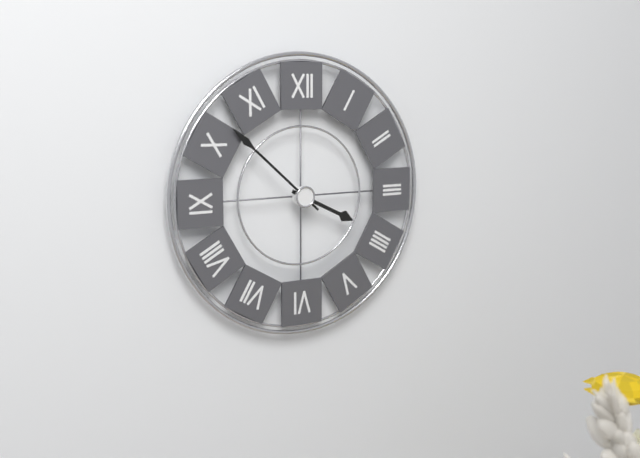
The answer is 3.52
